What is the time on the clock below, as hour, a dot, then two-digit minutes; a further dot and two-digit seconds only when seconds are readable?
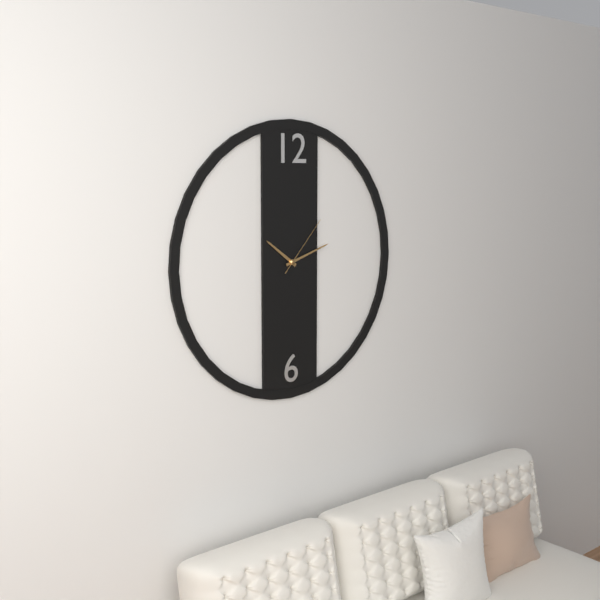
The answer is 10.12.07
